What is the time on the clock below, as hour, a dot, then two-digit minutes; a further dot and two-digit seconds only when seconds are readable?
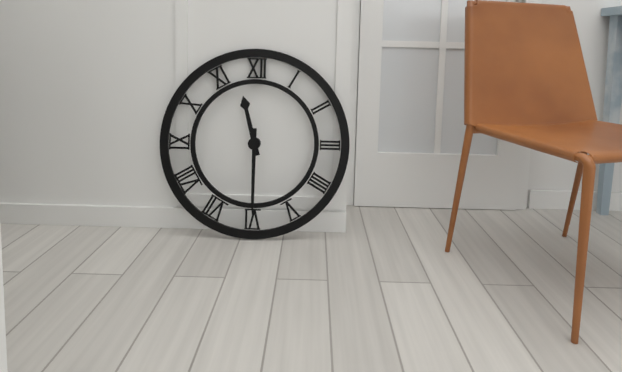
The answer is 11.30
